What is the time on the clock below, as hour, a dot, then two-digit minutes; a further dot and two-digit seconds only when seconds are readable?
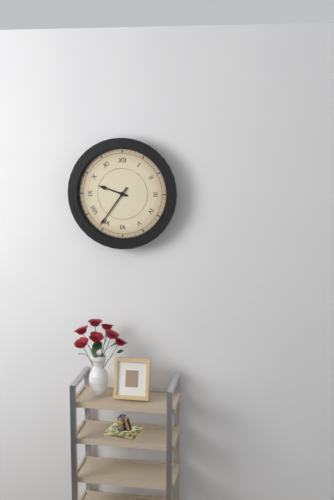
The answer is 9.36
